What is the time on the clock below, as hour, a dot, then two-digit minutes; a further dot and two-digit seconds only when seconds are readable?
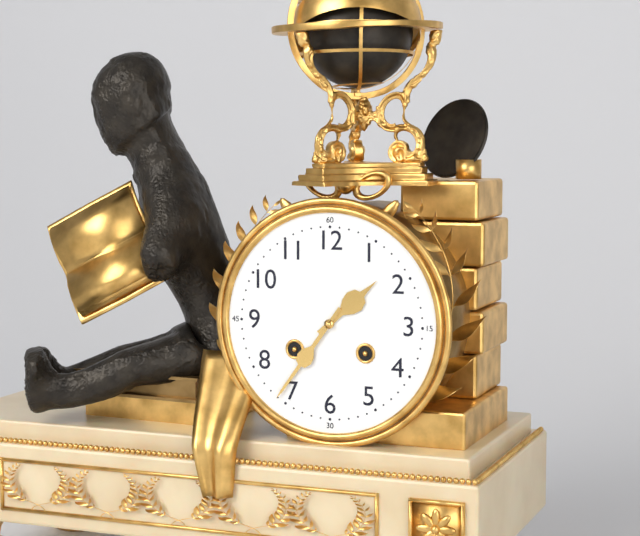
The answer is 1.36
